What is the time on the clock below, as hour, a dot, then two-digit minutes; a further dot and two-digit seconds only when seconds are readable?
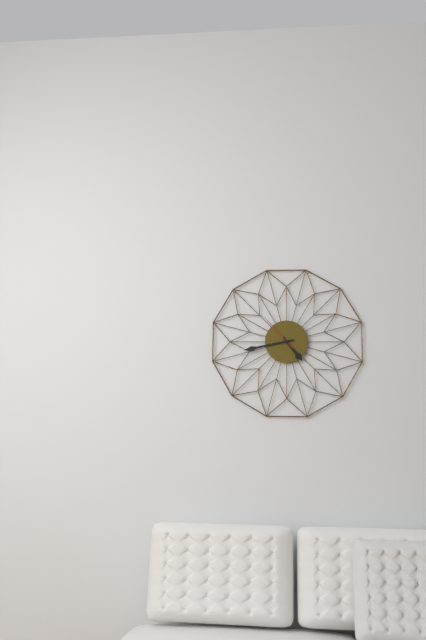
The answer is 4.43
